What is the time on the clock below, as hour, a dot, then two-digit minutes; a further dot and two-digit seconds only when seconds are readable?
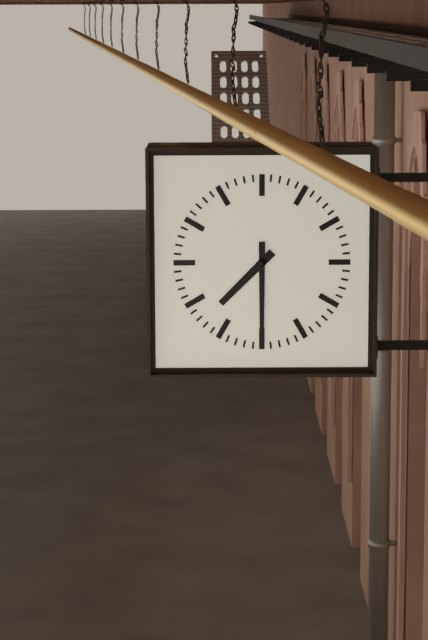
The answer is 7.30
